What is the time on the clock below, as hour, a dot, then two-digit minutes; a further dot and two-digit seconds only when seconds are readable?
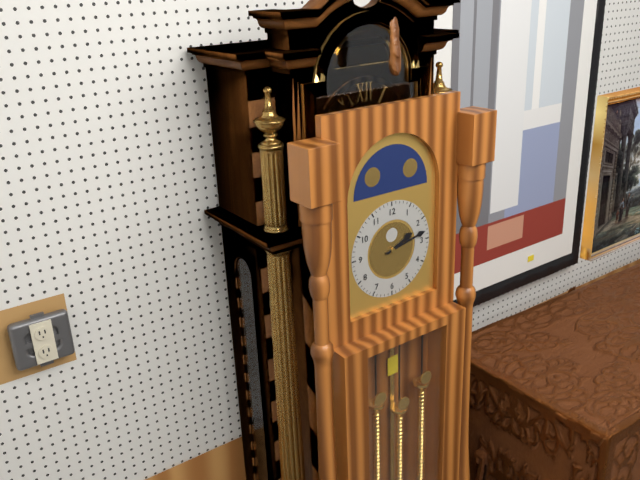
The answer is 2.13
